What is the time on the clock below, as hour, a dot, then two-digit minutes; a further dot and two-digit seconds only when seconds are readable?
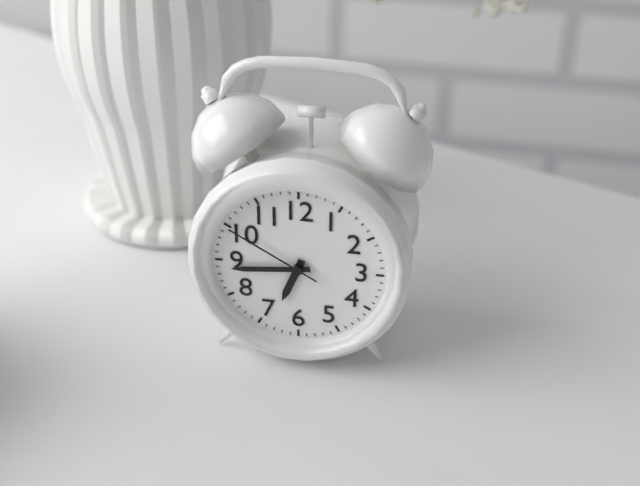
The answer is 6.44.50
